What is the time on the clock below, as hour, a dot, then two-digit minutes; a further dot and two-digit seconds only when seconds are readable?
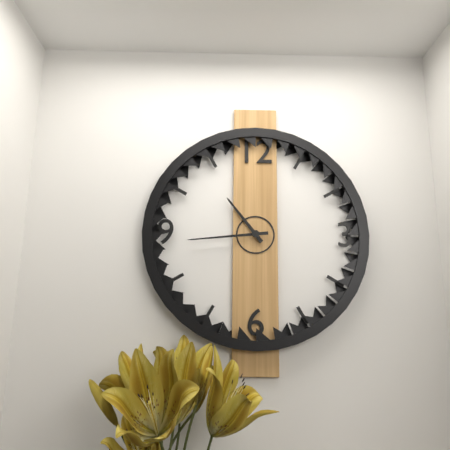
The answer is 10.44
